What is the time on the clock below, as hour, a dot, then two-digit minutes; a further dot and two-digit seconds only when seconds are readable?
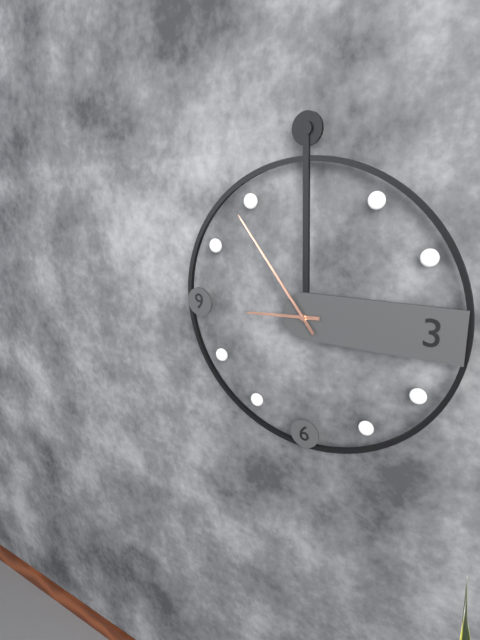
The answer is 8.54
